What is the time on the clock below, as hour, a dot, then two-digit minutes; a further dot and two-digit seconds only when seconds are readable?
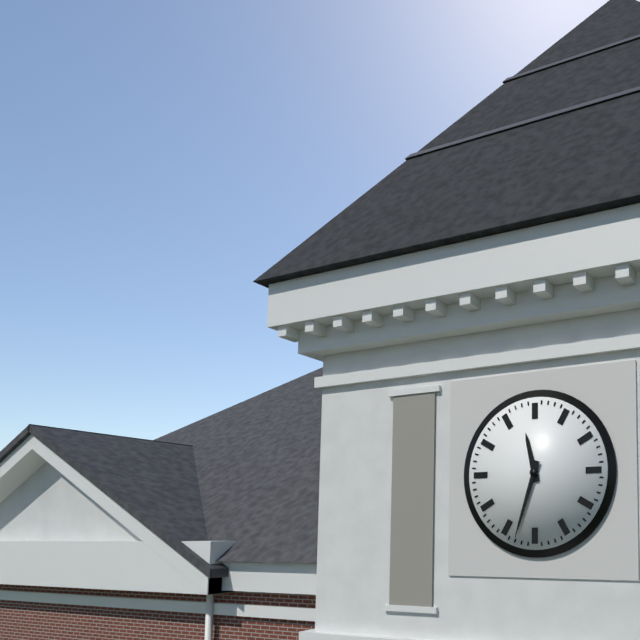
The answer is 11.33
